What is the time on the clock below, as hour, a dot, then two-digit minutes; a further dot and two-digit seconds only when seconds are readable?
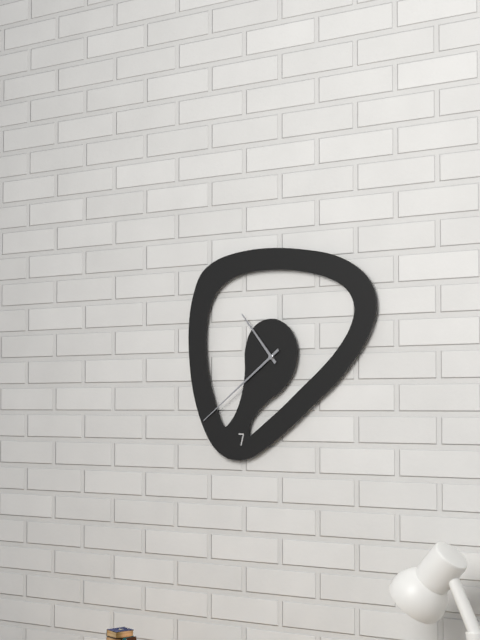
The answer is 10.39
